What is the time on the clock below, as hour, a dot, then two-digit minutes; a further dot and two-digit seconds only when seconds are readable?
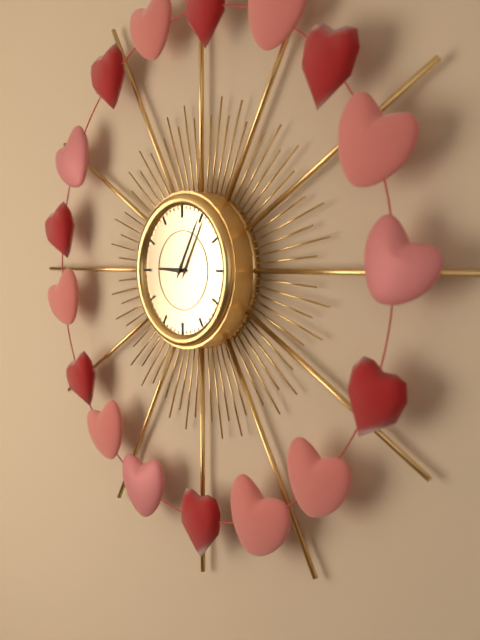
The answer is 9.05
